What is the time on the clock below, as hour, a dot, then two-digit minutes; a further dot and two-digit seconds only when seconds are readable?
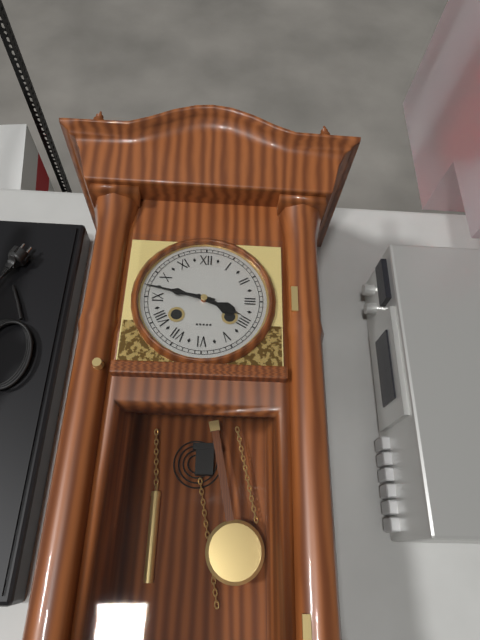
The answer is 3.47
